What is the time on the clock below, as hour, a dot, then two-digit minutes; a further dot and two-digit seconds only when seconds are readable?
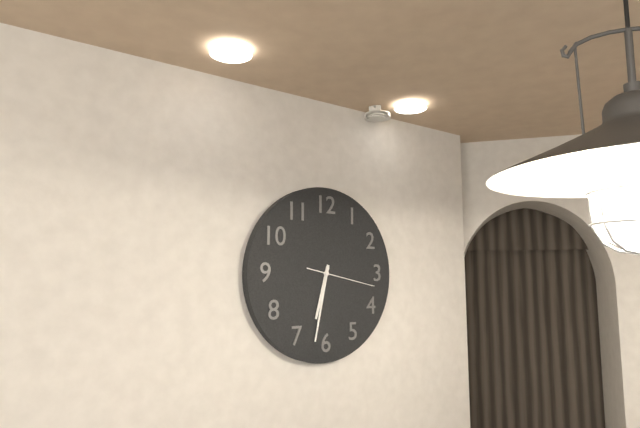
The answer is 6.32.17
